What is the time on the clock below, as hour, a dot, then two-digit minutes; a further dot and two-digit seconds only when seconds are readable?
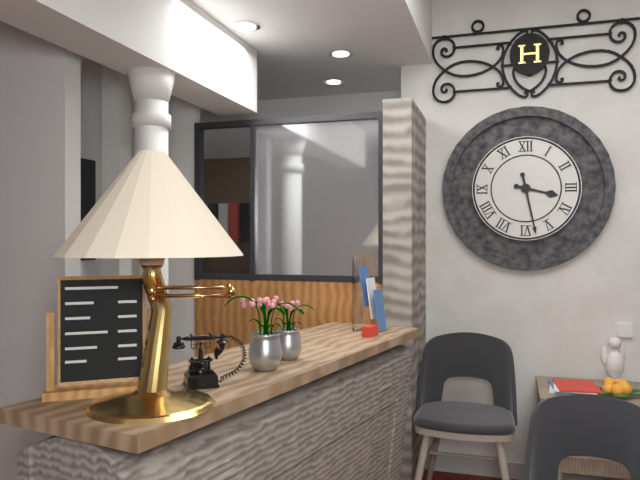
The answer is 3.28
